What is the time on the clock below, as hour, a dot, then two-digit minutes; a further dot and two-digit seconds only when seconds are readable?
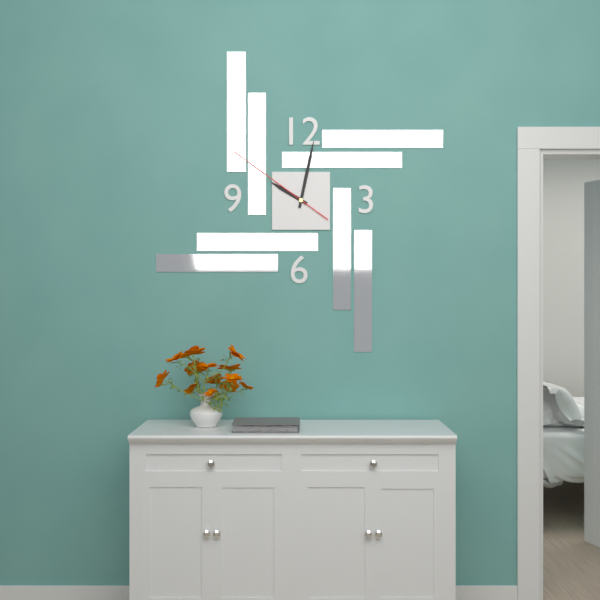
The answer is 10.02.51
